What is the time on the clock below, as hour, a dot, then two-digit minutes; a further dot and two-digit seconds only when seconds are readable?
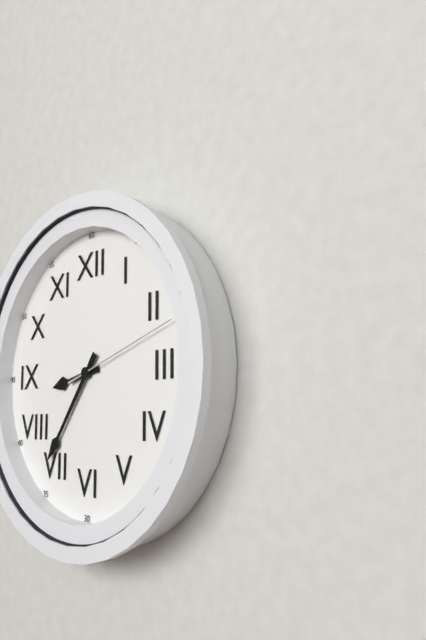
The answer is 8.36.12
